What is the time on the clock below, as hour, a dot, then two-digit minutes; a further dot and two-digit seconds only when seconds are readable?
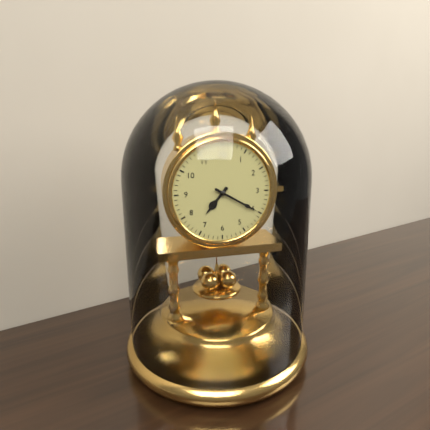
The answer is 7.20
